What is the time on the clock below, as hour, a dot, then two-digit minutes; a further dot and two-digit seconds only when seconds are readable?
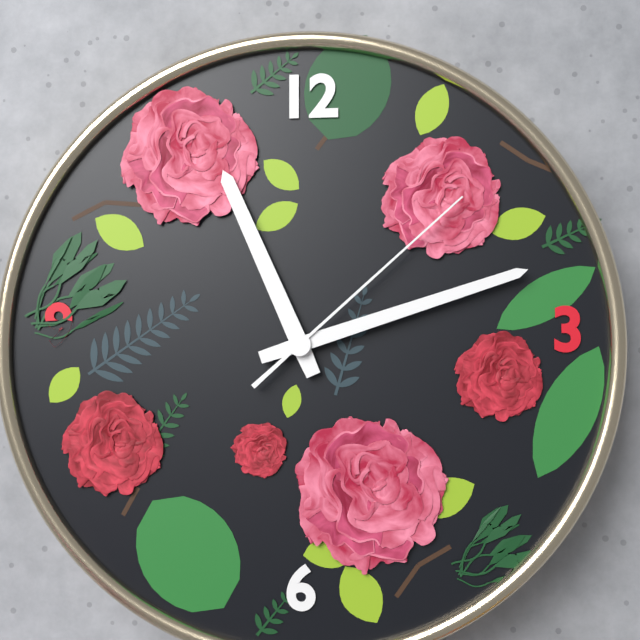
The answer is 11.12.08
